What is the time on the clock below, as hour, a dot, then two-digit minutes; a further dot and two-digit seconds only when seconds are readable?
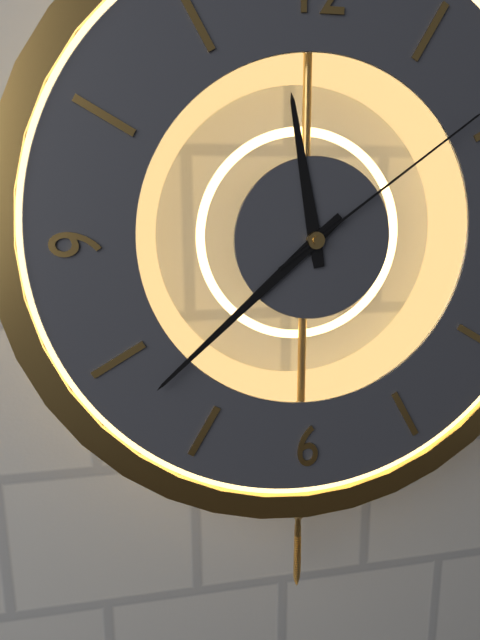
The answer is 11.38
